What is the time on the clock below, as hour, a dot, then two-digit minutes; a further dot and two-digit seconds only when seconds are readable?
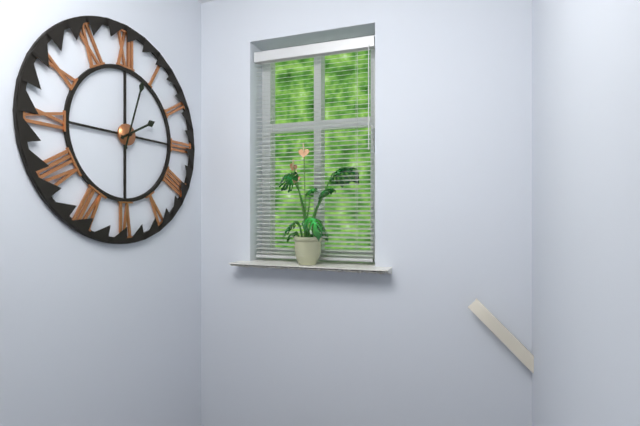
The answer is 2.03
